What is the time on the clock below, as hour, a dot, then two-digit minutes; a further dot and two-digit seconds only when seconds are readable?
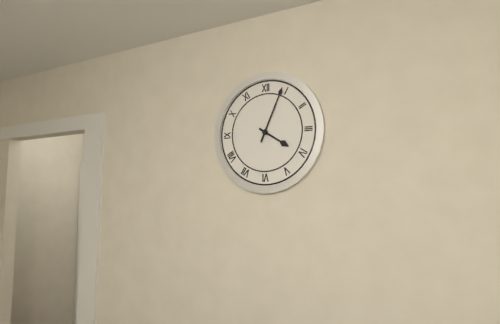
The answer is 4.04
